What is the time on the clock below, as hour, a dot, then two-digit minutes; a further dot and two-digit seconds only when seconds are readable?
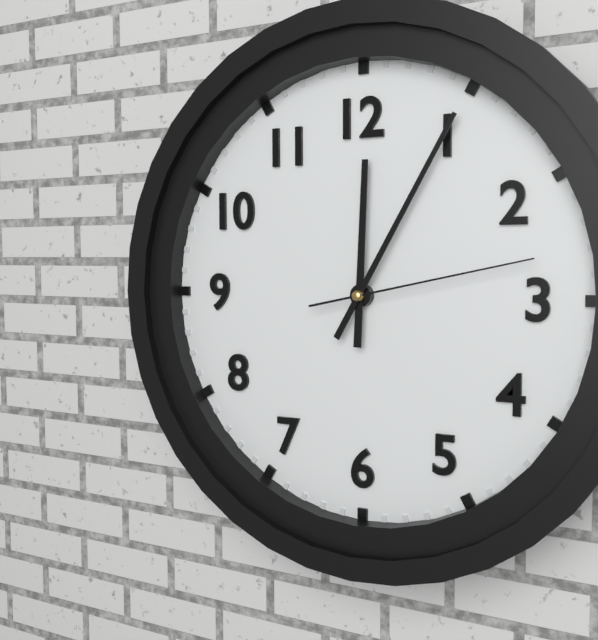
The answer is 12.05.13
